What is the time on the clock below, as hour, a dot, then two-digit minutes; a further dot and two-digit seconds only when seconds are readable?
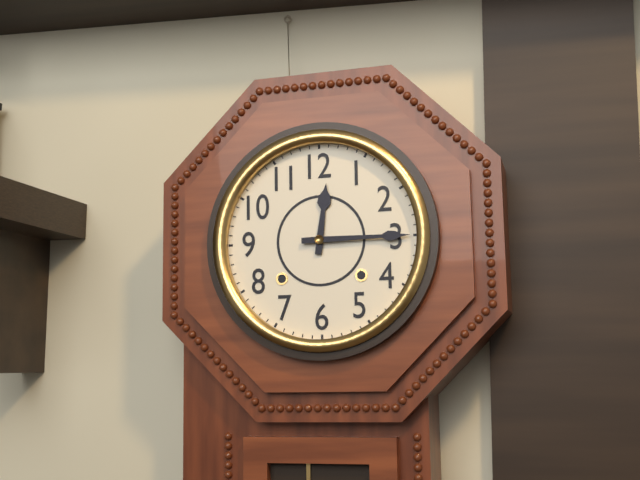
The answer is 12.15
